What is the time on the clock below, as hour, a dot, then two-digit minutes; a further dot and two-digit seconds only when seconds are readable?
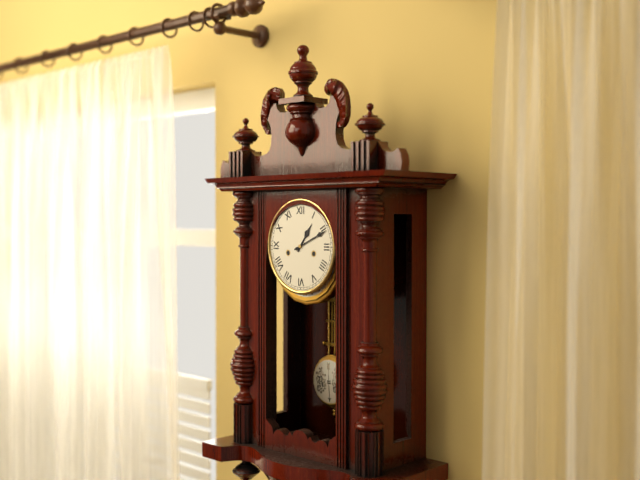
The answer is 1.11
